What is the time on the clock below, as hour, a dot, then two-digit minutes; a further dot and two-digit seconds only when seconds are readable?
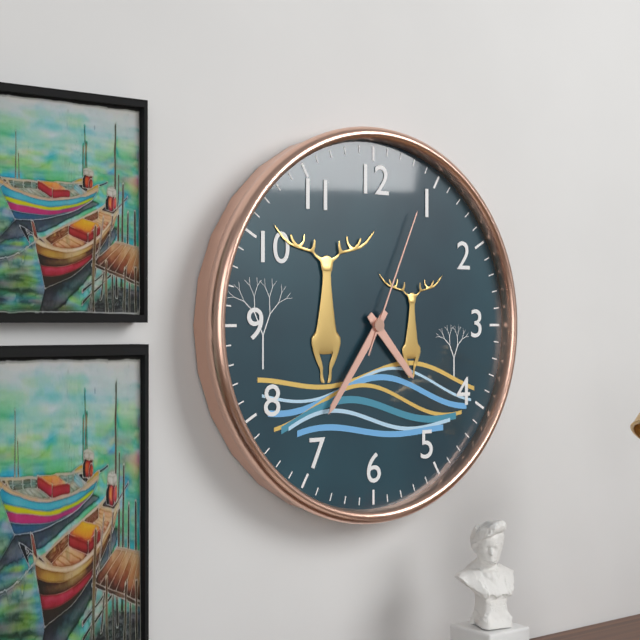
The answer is 4.36.04
